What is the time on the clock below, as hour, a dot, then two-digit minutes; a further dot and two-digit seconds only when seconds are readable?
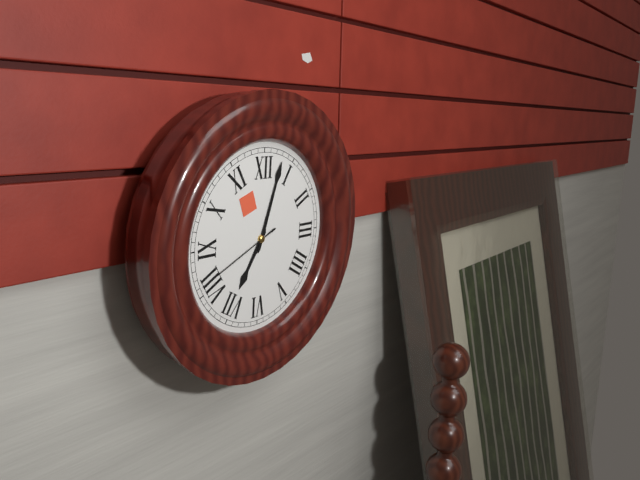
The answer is 7.03.41
